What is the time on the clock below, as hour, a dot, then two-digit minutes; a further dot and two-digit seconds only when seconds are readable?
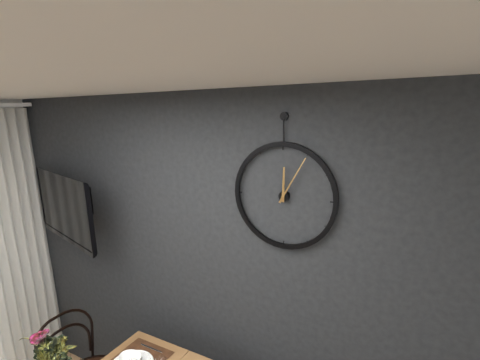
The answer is 12.05
